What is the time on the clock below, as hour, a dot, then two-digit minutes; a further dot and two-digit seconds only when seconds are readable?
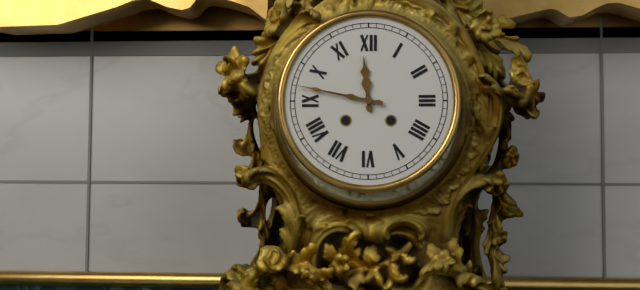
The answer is 11.47
